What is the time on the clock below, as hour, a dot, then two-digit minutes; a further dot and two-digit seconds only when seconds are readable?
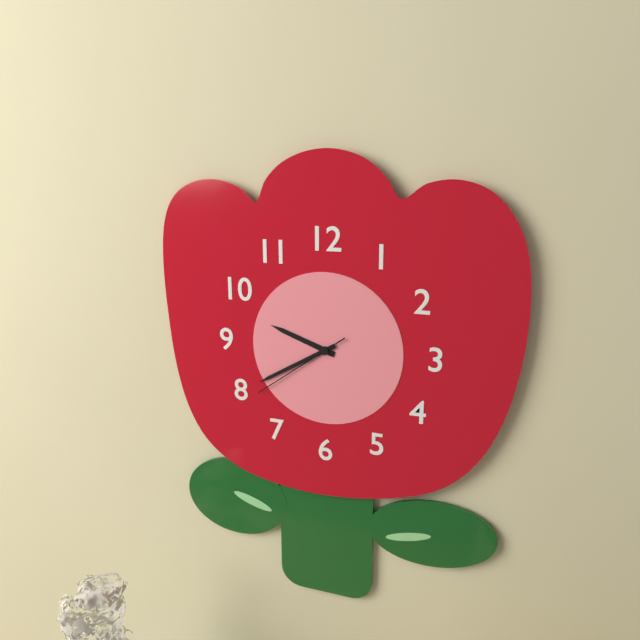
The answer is 9.40.39
